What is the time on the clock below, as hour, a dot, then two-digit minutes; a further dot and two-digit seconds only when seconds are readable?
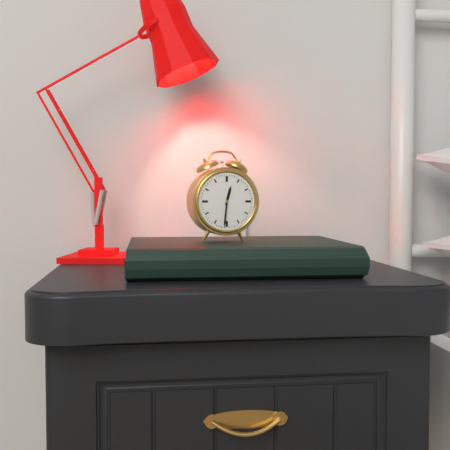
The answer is 12.31
